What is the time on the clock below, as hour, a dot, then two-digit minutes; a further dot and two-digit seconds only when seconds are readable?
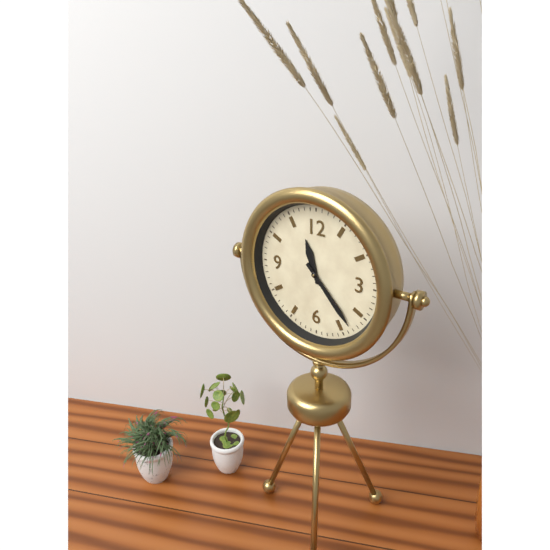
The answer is 11.23
